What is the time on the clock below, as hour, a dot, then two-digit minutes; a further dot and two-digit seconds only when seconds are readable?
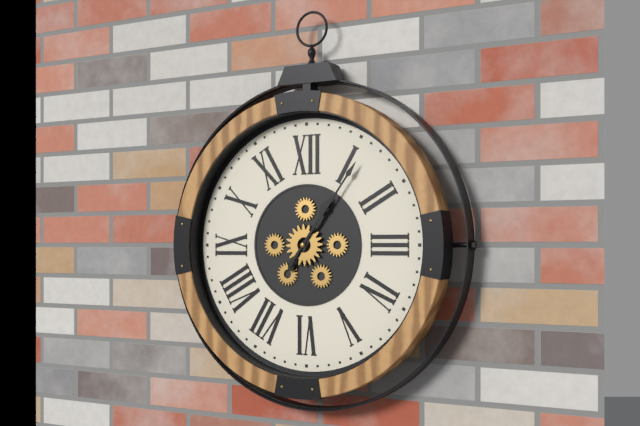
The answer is 1.06
